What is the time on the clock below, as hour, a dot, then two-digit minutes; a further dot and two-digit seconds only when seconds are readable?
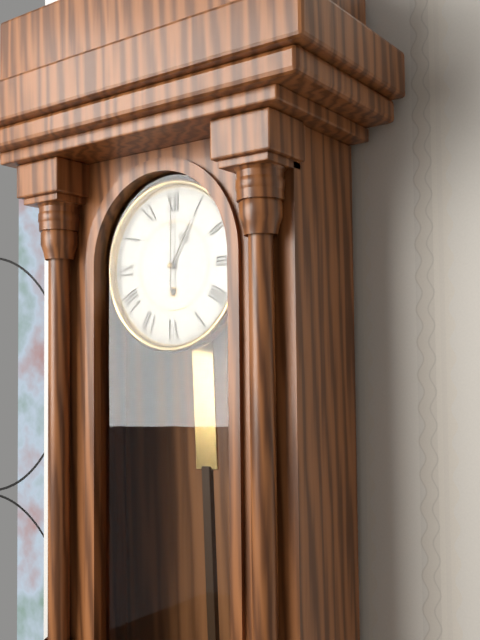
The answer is 1.00
